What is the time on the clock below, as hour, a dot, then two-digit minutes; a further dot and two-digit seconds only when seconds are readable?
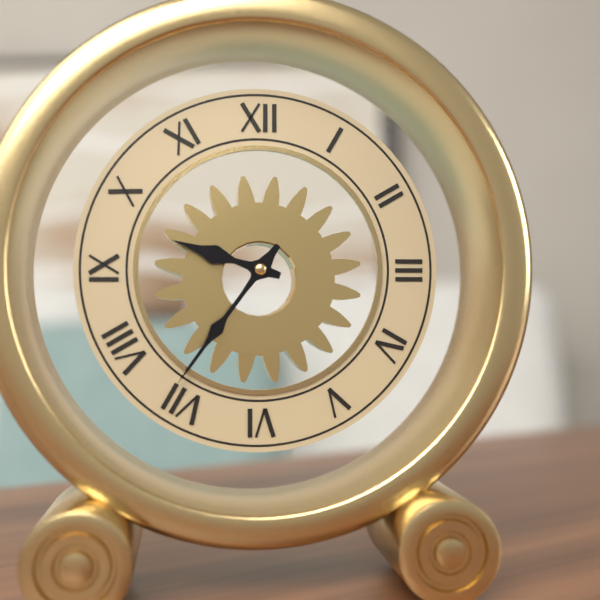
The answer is 9.36
